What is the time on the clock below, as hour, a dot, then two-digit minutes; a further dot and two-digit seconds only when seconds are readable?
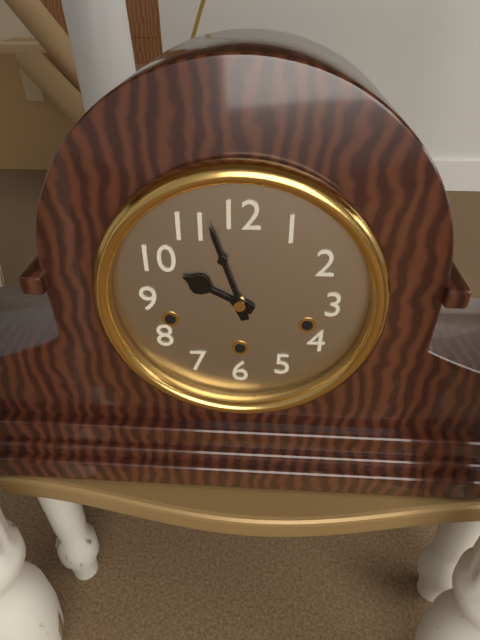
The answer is 9.57
